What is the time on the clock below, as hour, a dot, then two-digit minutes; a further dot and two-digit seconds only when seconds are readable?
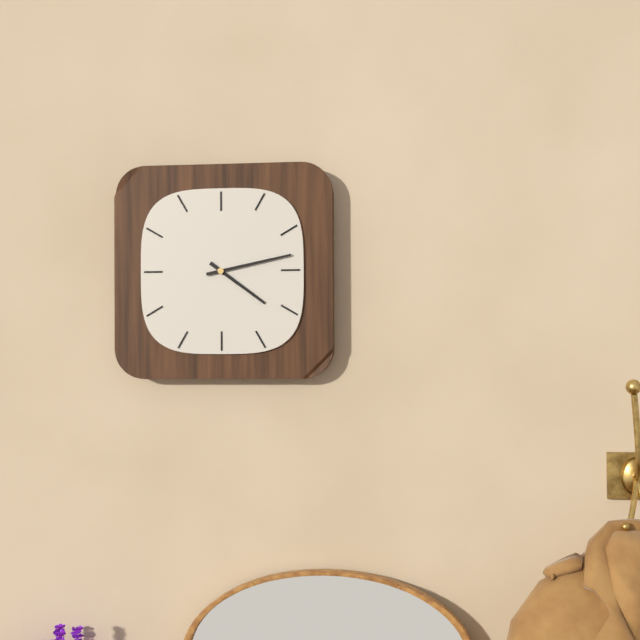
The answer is 4.13
